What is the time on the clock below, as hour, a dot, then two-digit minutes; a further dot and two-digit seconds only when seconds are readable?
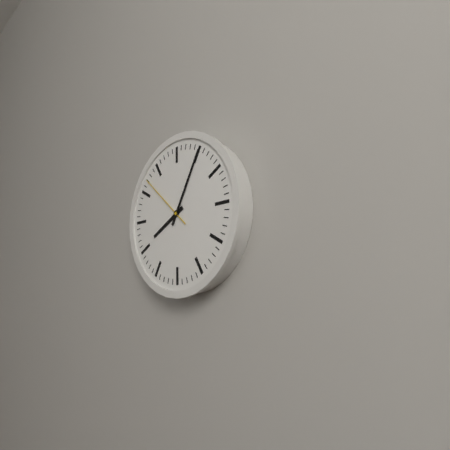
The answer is 8.05.52
